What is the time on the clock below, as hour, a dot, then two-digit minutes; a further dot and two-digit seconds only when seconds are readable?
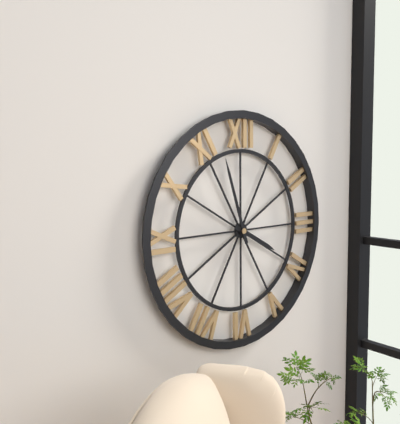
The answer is 3.57
